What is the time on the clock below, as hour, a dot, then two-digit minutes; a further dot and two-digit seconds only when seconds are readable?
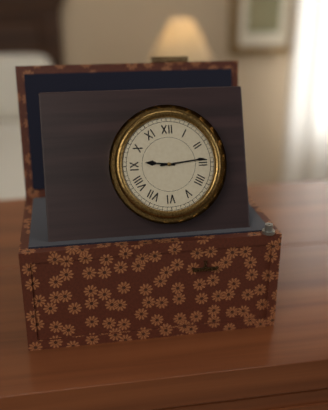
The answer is 9.14
